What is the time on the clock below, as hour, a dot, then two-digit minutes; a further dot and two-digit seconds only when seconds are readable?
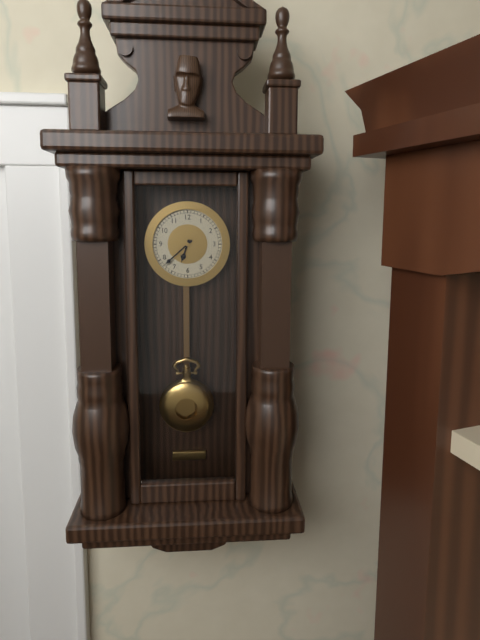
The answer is 6.38
